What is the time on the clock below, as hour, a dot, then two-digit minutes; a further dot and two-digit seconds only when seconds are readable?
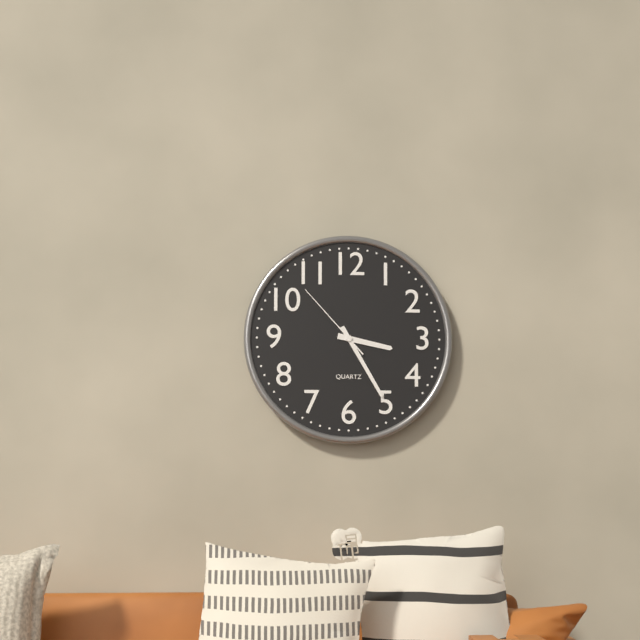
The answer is 3.25.53
